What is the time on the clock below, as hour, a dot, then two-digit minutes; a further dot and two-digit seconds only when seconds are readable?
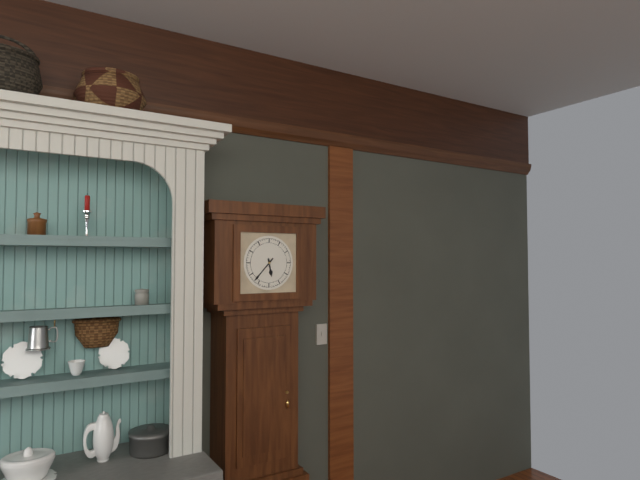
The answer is 5.37
